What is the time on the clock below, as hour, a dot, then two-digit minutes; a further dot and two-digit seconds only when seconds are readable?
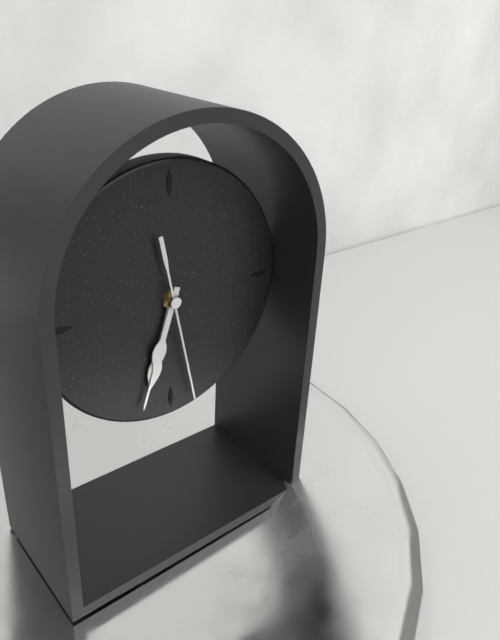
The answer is 6.33.28
